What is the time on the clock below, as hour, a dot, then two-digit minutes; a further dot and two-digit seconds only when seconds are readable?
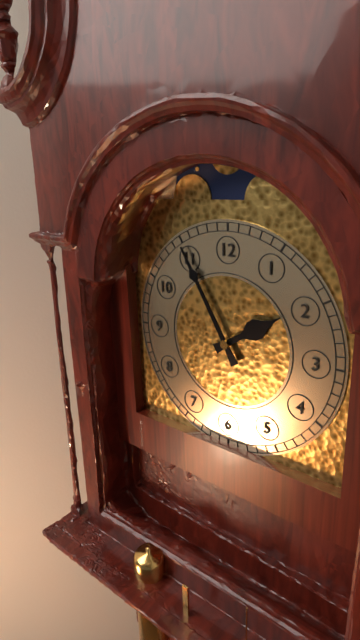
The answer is 1.55
